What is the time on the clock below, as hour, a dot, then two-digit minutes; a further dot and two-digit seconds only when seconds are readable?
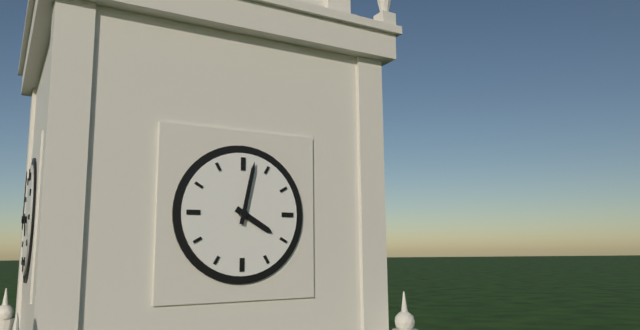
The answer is 4.02
